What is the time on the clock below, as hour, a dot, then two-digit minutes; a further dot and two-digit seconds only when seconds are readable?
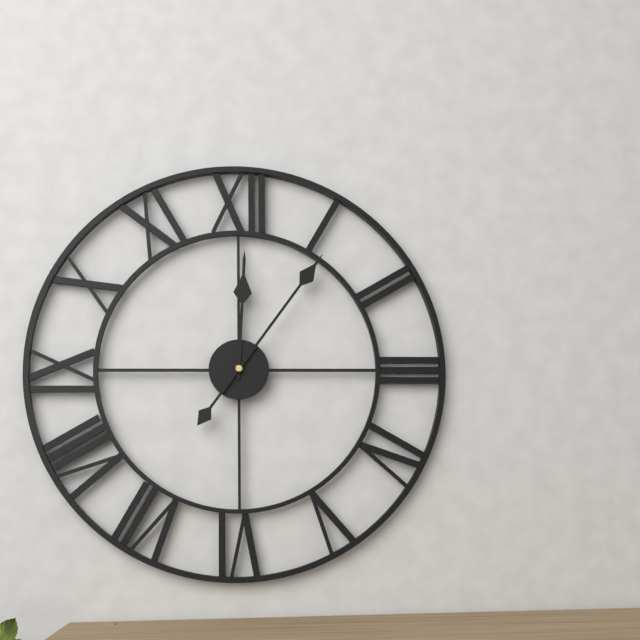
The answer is 12.06
